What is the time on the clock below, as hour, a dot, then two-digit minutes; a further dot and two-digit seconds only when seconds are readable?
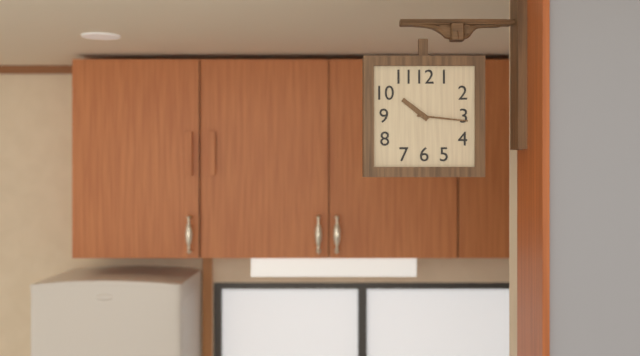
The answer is 10.16
